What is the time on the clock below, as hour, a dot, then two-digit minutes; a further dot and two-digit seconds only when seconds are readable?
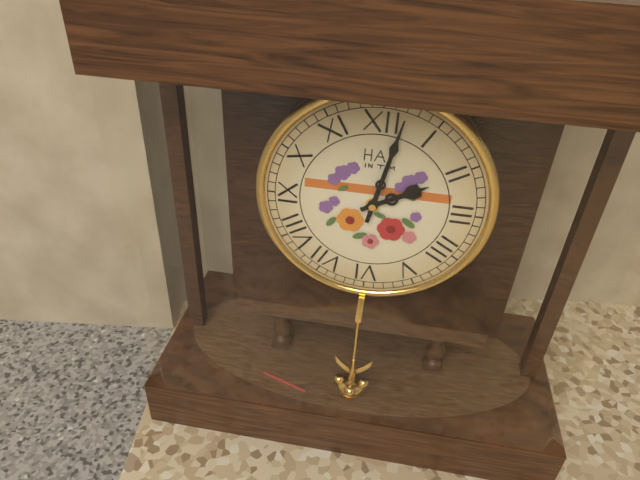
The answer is 2.02
